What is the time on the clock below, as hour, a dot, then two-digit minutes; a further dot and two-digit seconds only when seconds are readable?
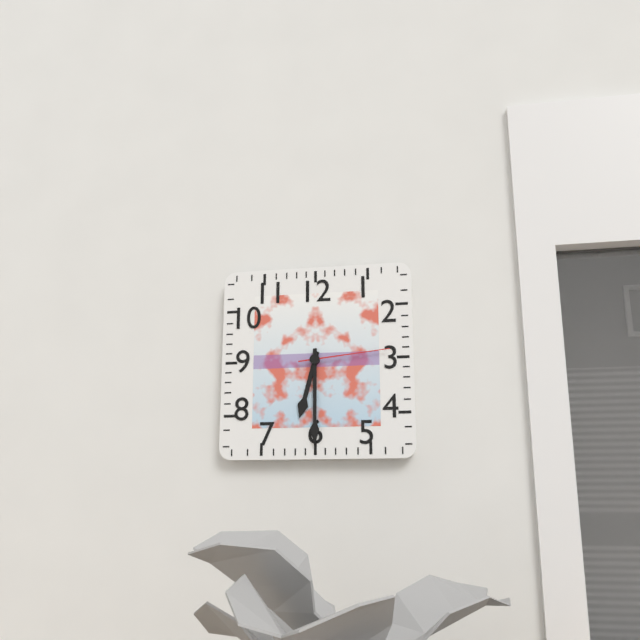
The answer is 6.30.14
